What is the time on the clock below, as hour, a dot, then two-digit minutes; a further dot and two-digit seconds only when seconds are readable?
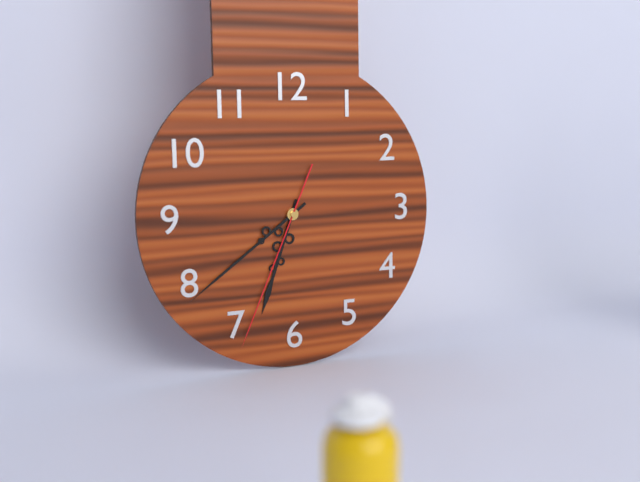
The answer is 6.39.34
